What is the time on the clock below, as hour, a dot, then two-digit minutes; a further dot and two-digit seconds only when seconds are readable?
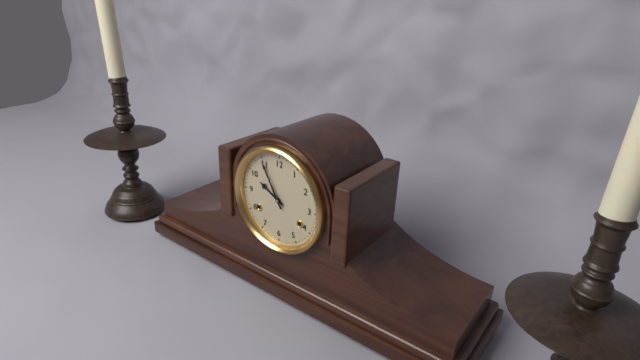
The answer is 9.55
